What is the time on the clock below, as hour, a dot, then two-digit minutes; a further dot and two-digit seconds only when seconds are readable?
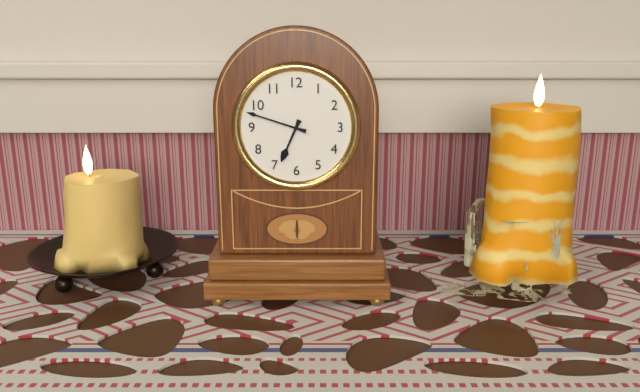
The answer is 6.48
